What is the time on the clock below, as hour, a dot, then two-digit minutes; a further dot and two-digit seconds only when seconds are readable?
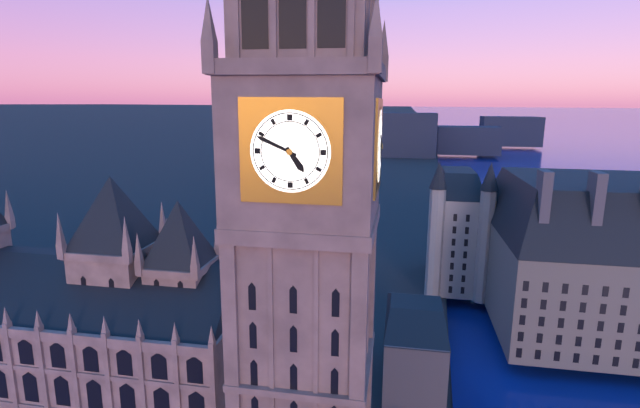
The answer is 4.49
